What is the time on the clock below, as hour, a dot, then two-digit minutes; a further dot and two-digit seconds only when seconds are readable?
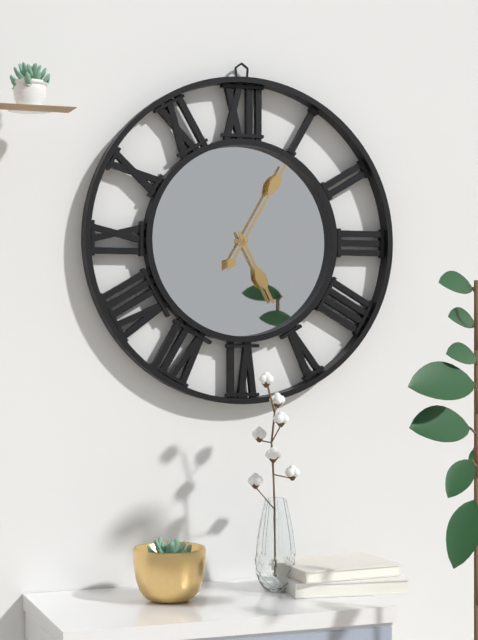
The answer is 5.05
